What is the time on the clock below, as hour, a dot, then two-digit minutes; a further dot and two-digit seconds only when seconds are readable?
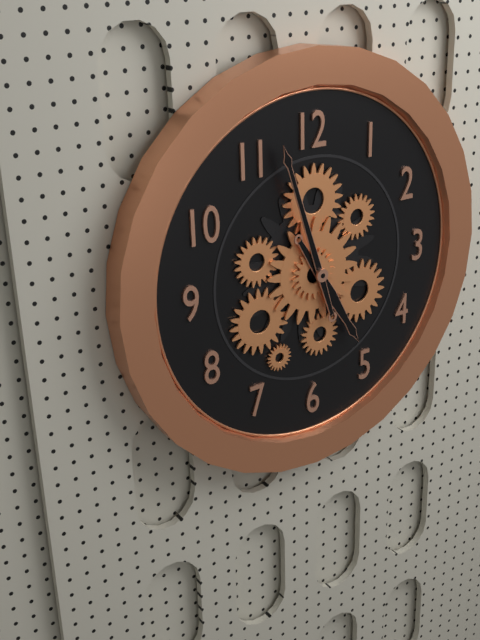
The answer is 4.57
